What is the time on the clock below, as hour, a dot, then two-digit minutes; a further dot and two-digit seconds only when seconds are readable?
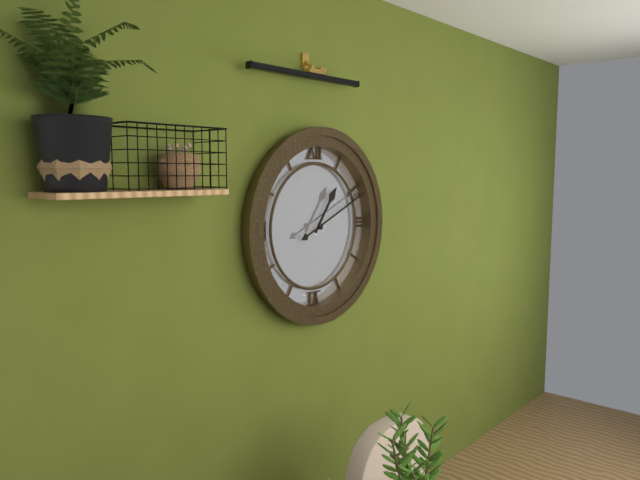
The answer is 1.11
